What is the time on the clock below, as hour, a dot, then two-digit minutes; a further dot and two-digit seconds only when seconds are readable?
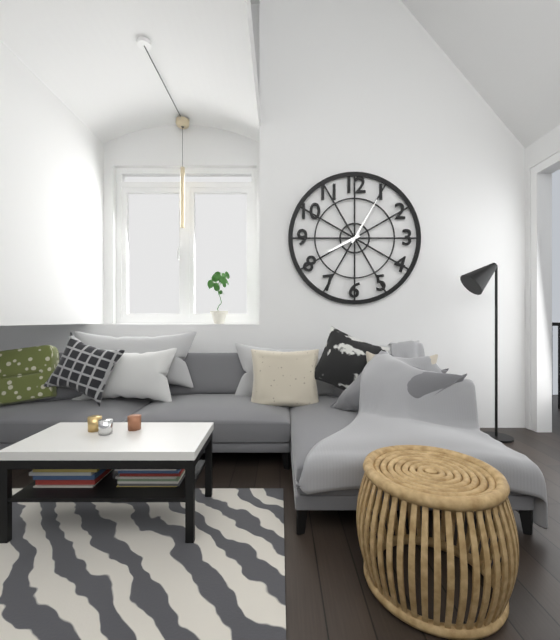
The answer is 8.05
